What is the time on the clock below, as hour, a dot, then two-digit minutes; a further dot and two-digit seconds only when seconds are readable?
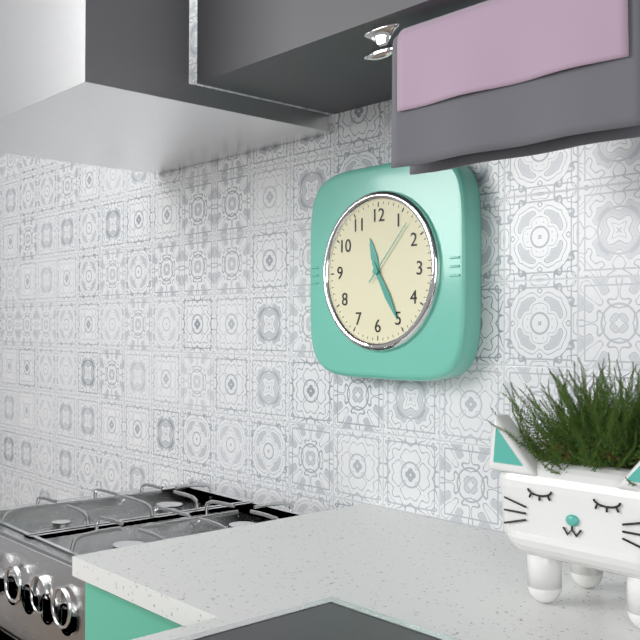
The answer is 11.25.07
